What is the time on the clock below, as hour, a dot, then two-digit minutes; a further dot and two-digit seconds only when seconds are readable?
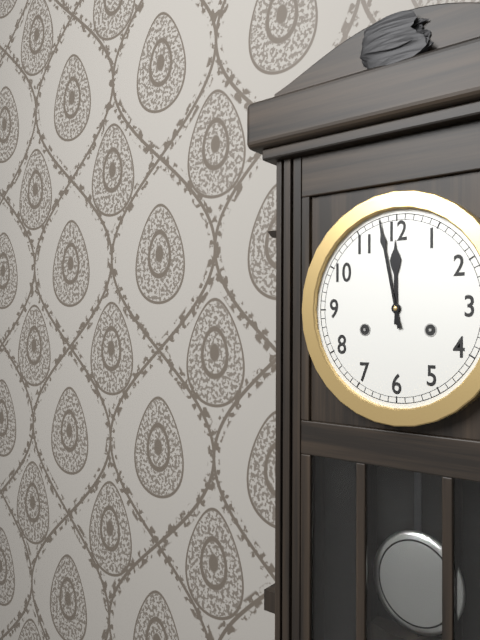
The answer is 11.58
